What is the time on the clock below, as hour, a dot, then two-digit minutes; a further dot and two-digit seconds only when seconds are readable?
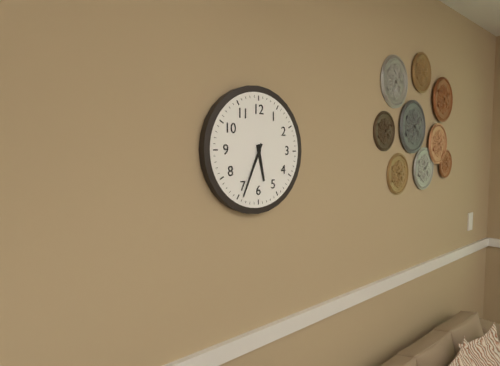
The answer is 5.34
